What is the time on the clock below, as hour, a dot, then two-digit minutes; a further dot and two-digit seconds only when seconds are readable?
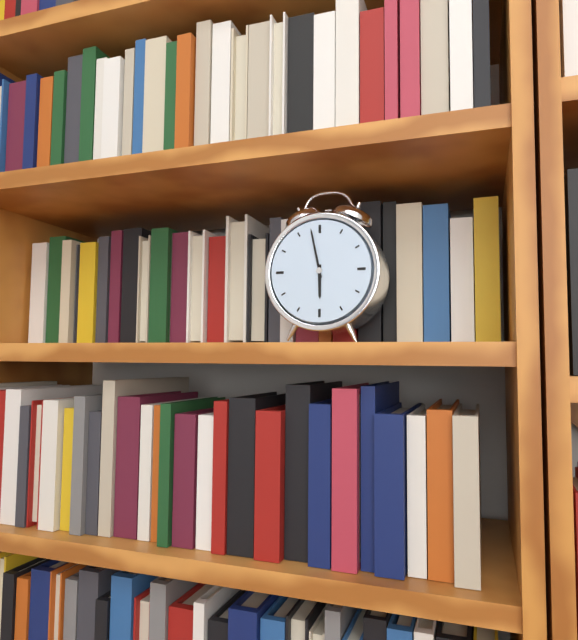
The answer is 5.58
